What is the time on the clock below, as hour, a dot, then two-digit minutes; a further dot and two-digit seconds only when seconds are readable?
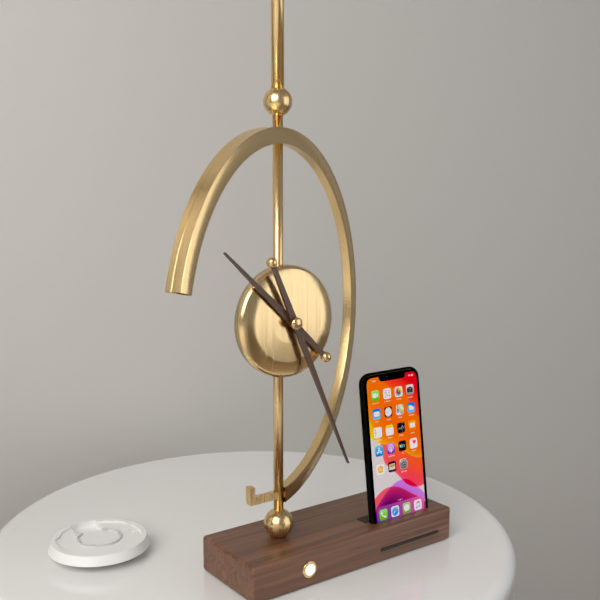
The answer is 10.26
